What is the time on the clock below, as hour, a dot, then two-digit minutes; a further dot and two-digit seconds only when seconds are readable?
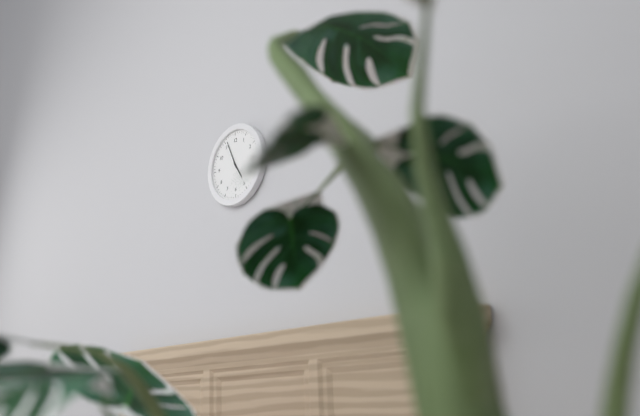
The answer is 4.56
